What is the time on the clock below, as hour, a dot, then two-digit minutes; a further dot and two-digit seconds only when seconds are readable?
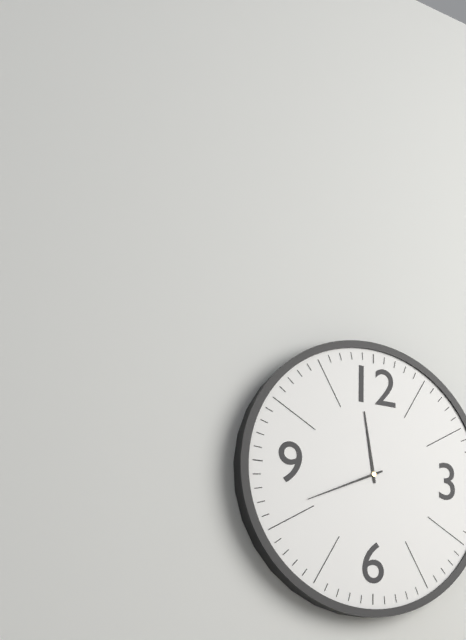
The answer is 11.41
